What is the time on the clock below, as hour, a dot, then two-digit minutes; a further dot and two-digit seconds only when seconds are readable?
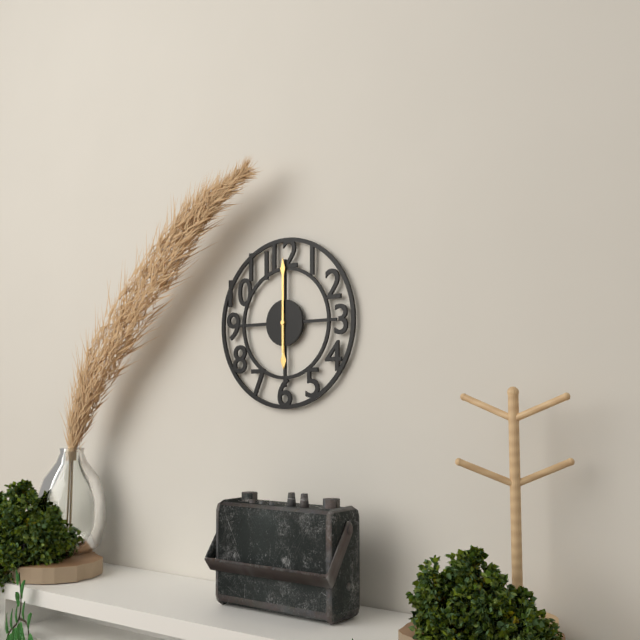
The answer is 6.00
